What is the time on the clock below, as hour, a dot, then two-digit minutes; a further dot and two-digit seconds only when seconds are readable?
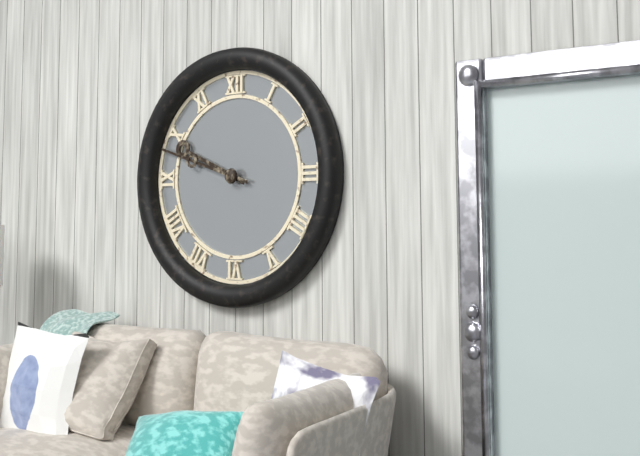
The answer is 9.48
